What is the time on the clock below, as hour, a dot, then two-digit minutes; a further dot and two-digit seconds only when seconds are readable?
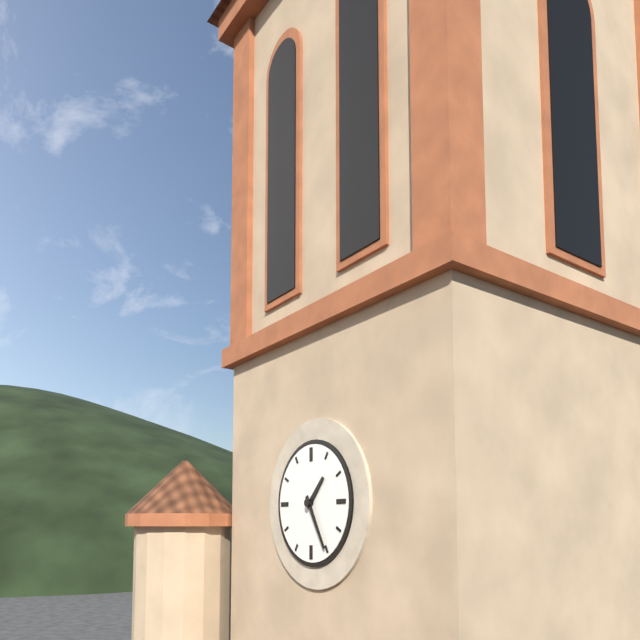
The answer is 1.25
